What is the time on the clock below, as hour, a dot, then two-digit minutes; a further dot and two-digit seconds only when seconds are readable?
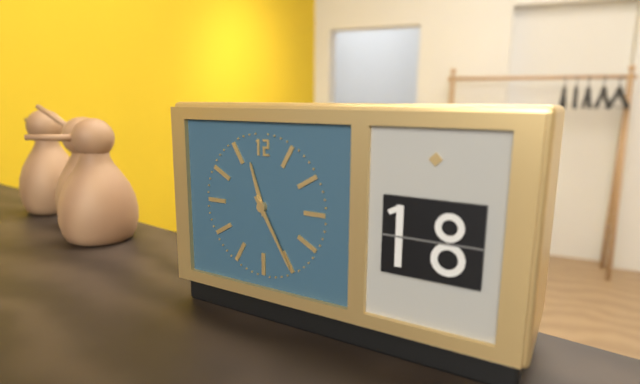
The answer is 11.25
